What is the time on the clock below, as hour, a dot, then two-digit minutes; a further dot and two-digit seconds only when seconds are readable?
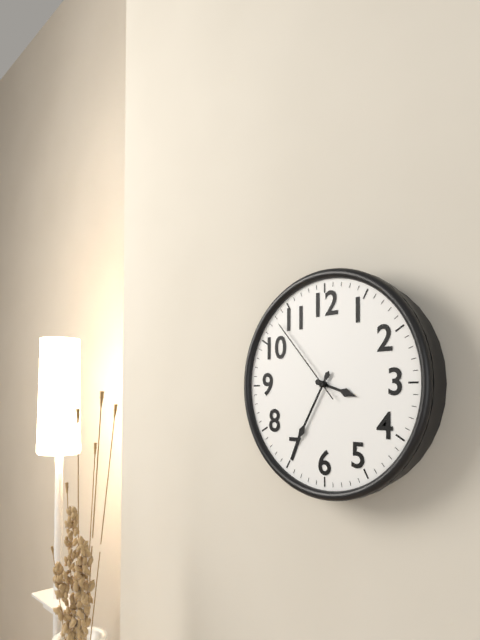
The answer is 3.35.53
